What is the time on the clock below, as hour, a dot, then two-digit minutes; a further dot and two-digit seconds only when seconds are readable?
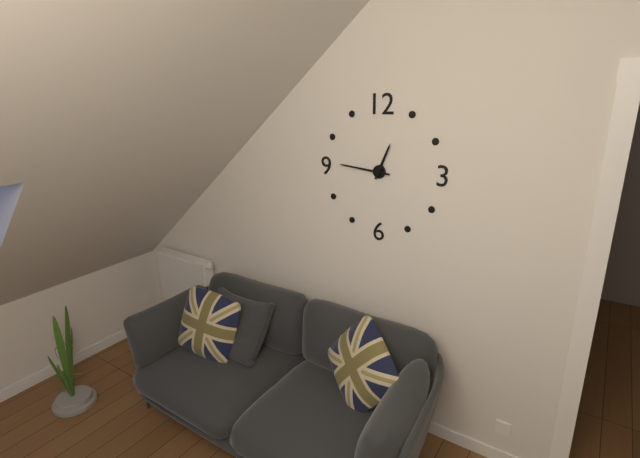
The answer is 12.46
